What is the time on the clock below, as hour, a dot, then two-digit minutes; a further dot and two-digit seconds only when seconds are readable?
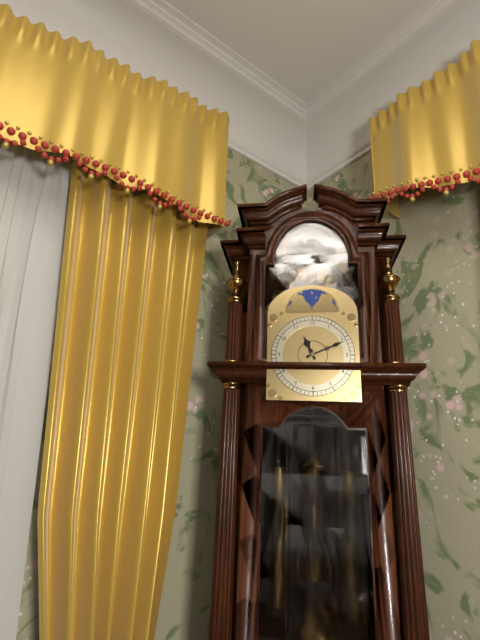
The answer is 11.11
